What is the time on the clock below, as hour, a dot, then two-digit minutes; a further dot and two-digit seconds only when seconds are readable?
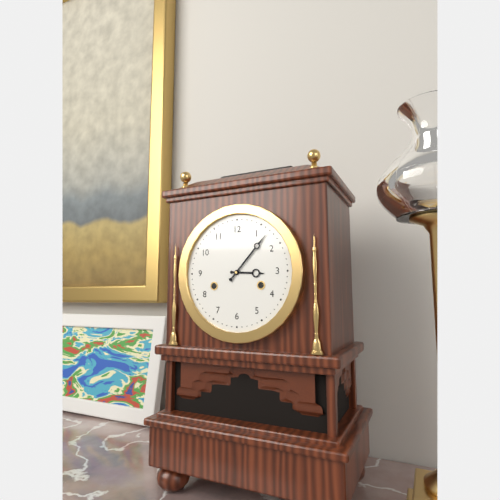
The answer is 3.07
